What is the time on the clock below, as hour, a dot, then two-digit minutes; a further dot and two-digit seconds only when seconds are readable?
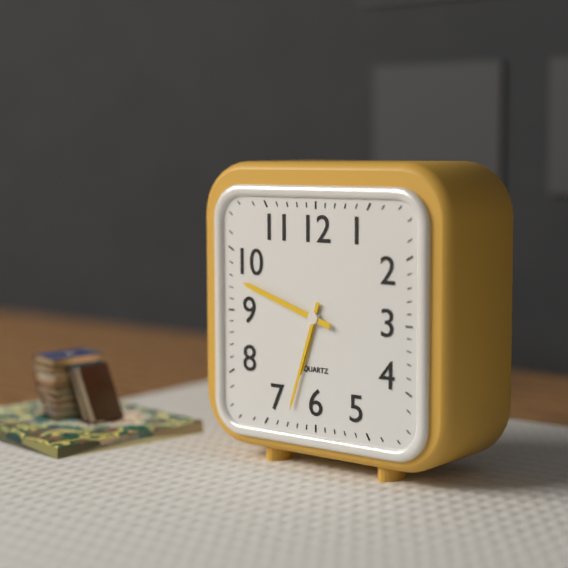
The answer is 6.33.48
